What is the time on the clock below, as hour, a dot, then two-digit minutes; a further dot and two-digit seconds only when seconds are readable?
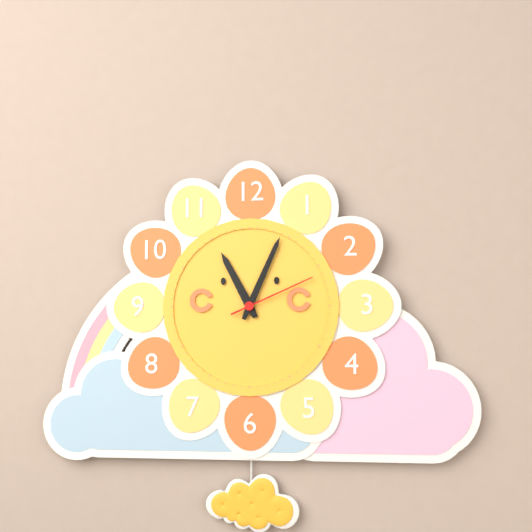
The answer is 11.04.11
